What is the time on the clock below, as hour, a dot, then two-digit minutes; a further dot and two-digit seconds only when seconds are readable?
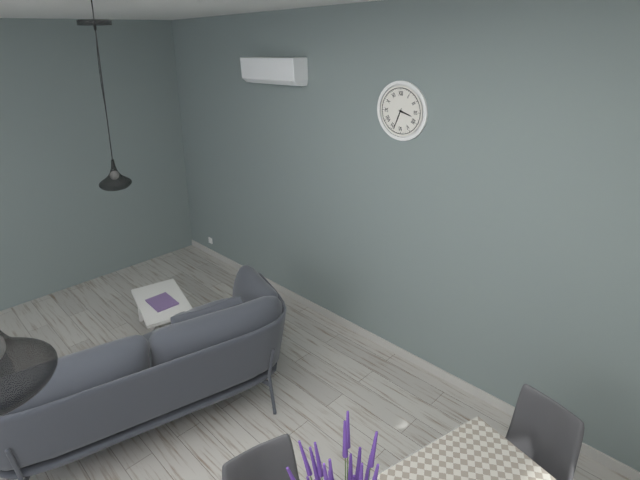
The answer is 3.34
